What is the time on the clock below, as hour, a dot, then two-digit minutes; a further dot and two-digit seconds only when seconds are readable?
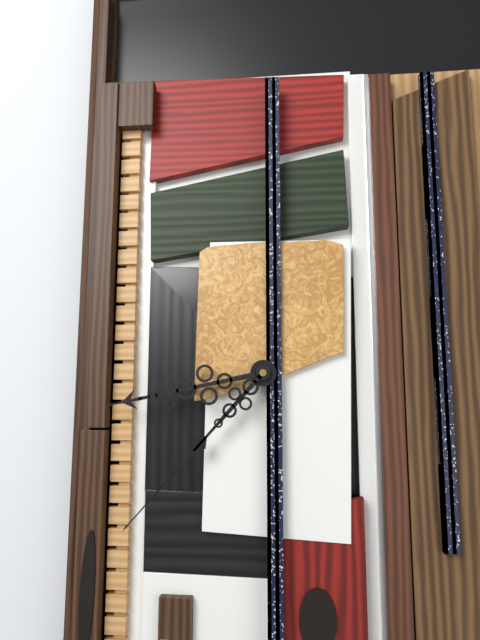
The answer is 8.37
